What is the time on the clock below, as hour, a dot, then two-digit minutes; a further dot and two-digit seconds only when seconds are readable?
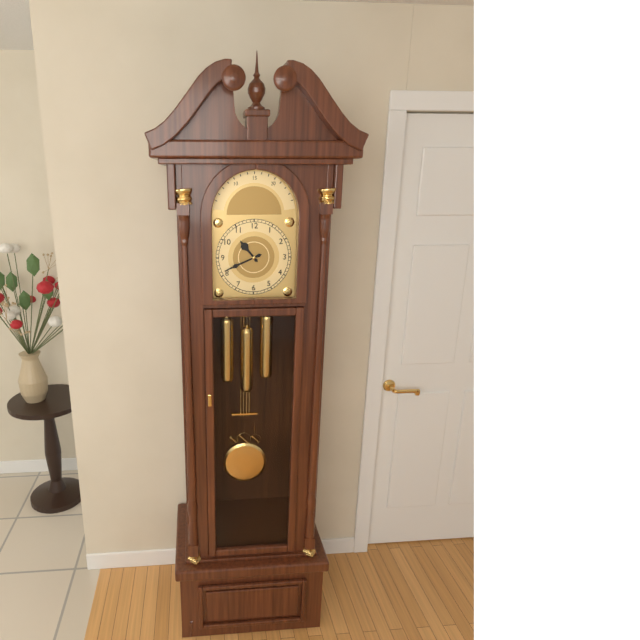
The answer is 10.41
